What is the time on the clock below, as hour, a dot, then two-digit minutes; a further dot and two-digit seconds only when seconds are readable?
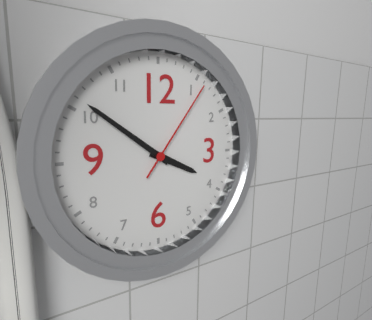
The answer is 3.51.06
